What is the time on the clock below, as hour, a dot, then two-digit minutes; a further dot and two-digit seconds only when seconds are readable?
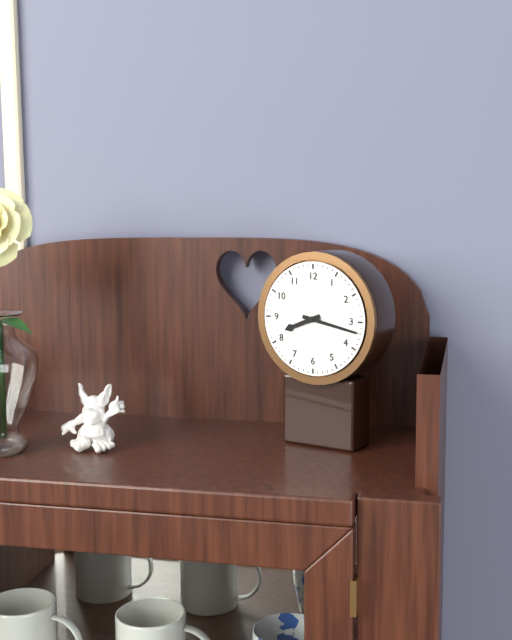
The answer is 8.17
